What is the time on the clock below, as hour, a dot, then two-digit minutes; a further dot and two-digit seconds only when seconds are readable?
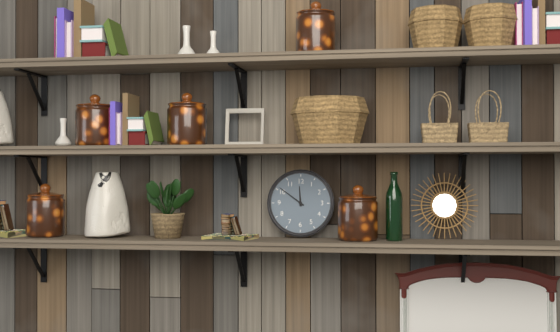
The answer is 11.51
